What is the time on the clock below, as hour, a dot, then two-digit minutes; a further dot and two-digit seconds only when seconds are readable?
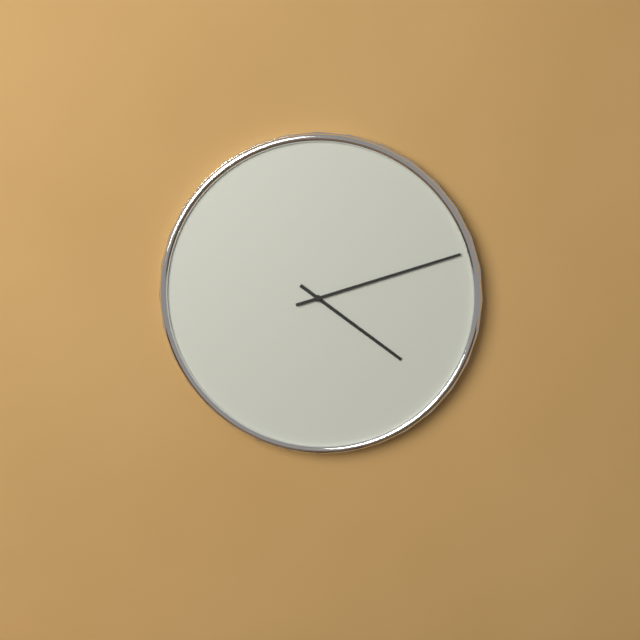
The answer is 4.12
